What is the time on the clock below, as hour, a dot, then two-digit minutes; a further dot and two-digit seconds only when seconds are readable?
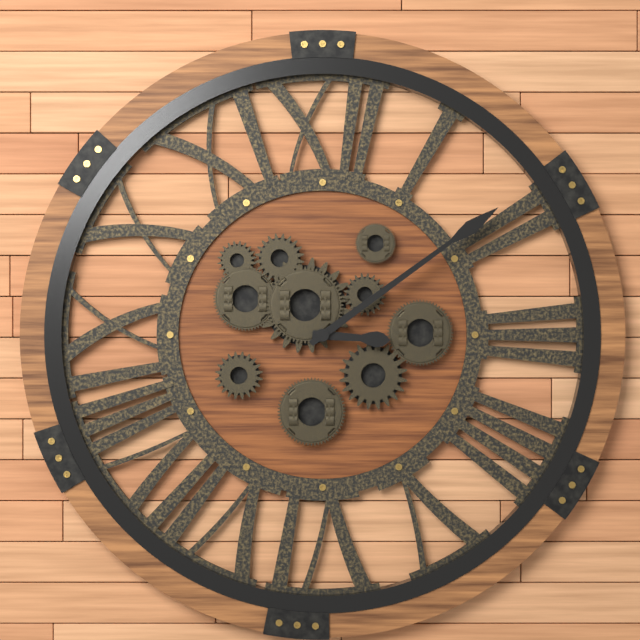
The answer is 3.09
